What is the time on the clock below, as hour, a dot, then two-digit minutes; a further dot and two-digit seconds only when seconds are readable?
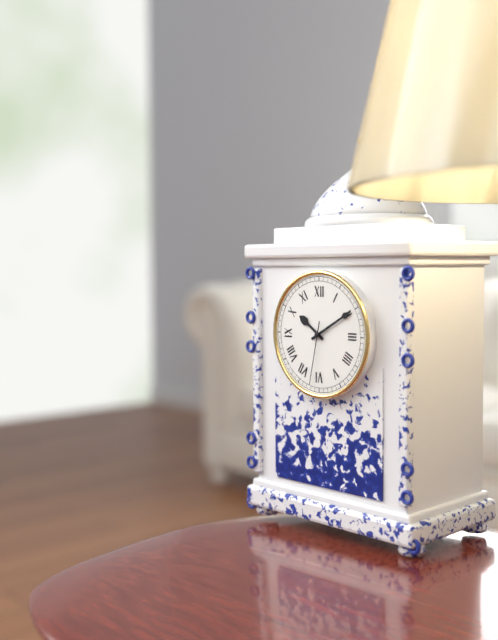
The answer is 10.10.32
